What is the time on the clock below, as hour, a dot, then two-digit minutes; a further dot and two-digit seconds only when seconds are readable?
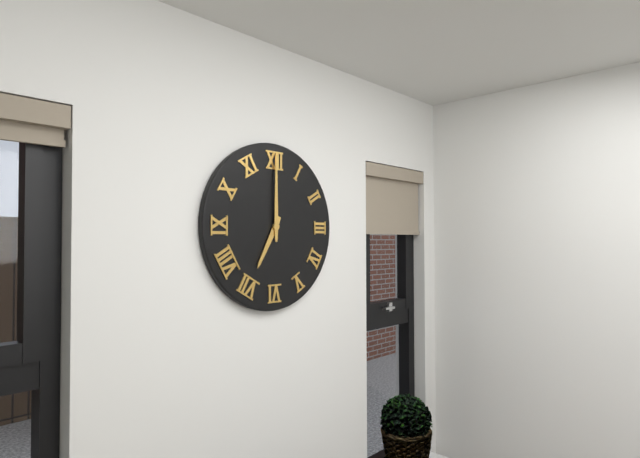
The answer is 7.00
